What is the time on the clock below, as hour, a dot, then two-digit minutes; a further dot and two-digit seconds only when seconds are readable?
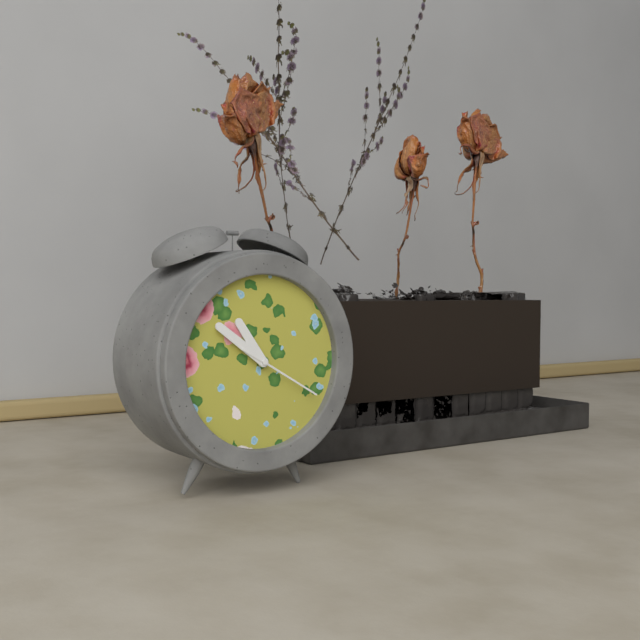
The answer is 10.51.20
